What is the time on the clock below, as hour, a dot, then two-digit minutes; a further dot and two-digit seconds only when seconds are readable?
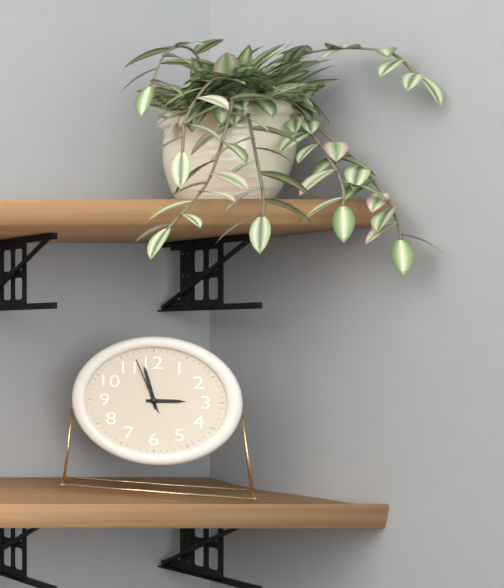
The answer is 2.58.57
